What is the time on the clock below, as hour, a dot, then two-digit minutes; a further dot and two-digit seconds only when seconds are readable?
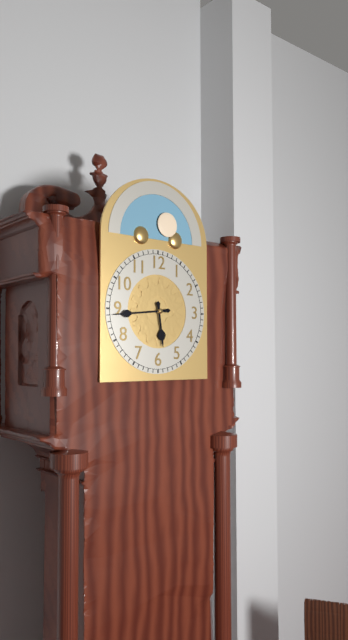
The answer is 5.44
